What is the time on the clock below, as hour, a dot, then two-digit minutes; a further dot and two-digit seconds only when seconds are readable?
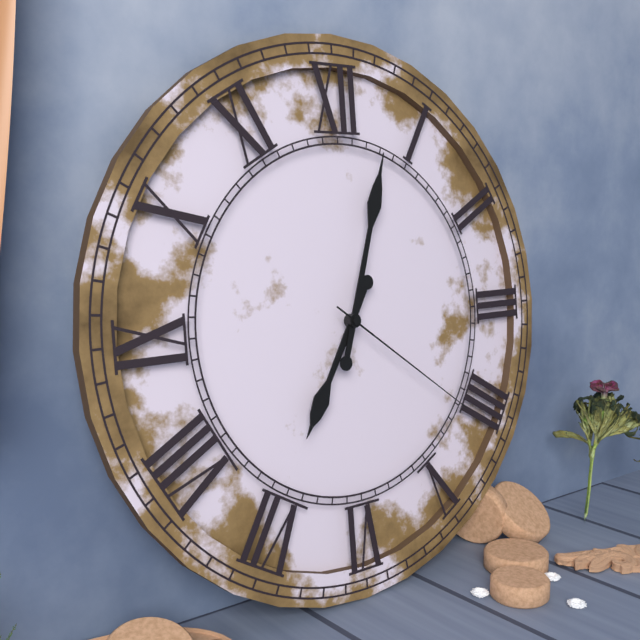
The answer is 7.03.21
